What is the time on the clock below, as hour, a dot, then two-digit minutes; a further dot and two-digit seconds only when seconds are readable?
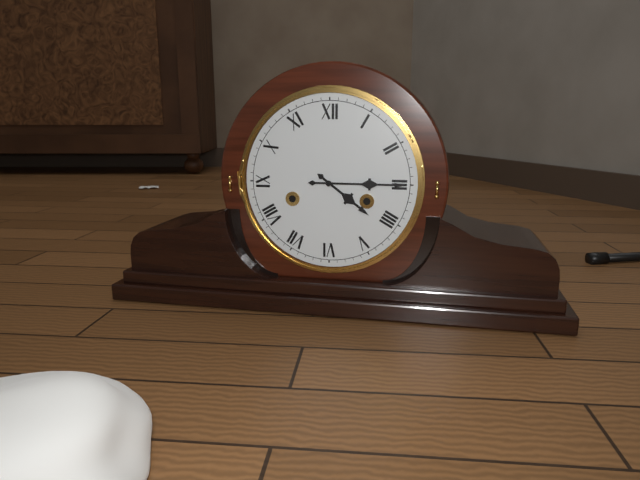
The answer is 4.15
